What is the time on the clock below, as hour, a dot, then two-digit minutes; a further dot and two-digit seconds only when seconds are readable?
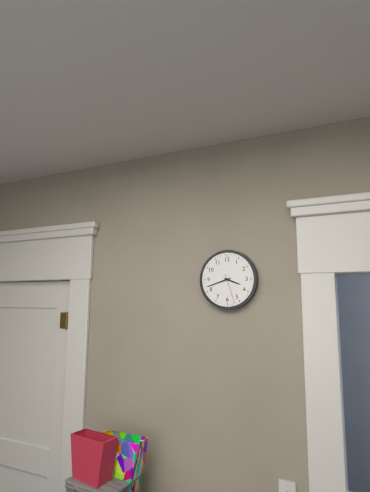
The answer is 3.42
